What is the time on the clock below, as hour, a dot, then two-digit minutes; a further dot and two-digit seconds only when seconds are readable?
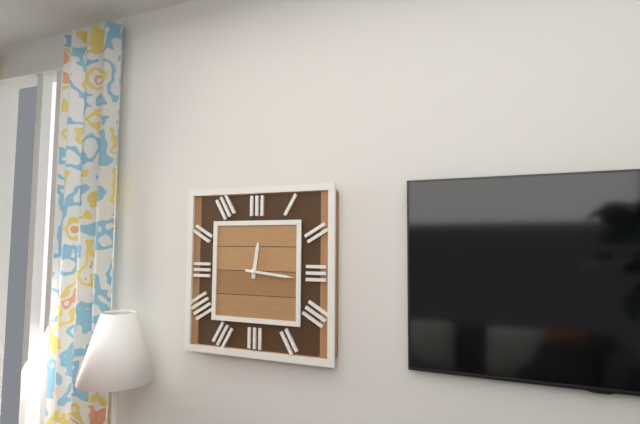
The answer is 12.16
